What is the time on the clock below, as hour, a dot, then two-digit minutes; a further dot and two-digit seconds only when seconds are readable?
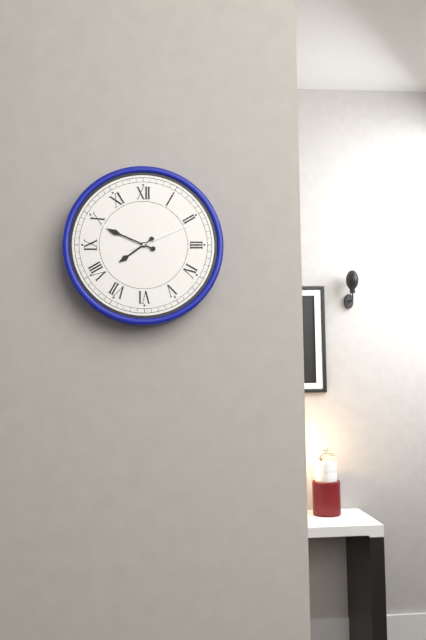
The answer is 7.49.11
